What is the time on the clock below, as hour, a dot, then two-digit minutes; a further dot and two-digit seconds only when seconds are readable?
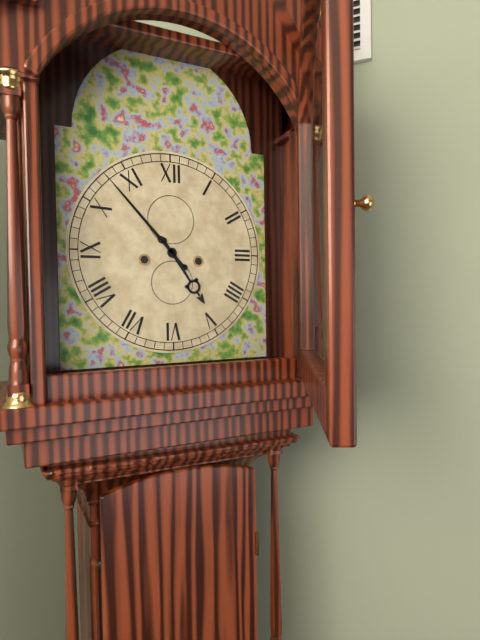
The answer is 4.53
